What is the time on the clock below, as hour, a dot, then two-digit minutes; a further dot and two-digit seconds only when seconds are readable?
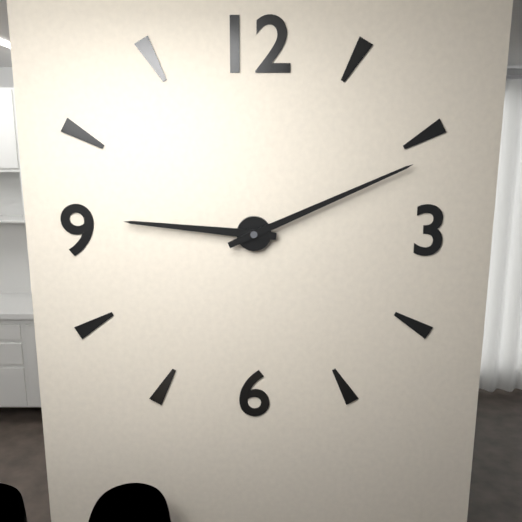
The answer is 9.11
